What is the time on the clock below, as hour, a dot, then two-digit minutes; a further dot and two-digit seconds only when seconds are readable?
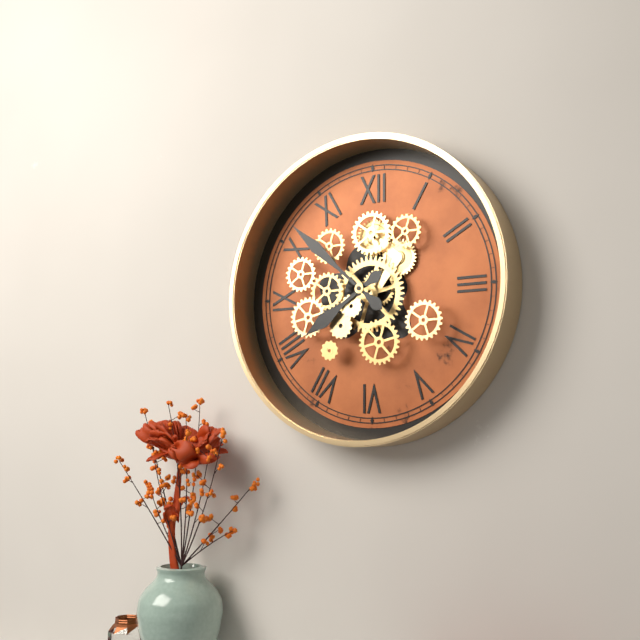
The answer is 7.52
